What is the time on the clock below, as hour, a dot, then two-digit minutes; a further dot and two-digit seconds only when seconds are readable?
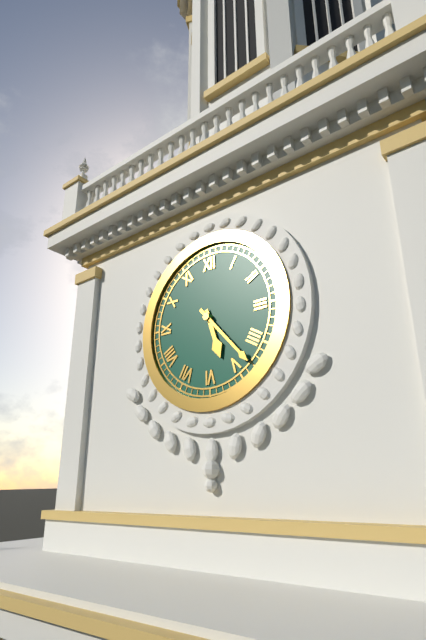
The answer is 5.23
